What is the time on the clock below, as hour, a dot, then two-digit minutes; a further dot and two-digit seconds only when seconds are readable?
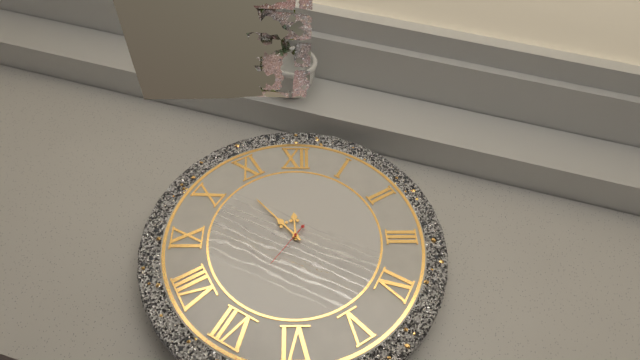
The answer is 11.53
